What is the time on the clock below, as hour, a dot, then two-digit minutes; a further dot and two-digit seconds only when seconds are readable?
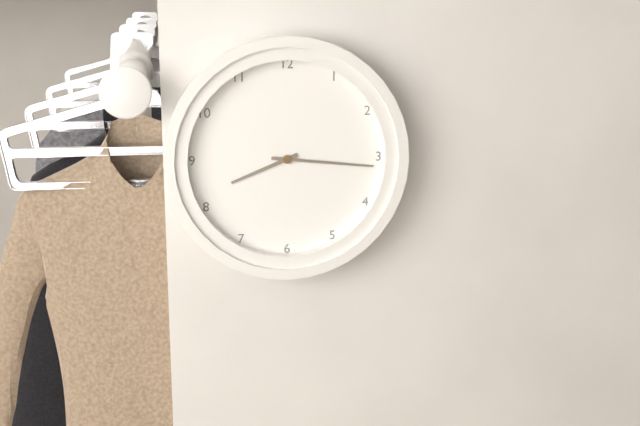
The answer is 8.16
